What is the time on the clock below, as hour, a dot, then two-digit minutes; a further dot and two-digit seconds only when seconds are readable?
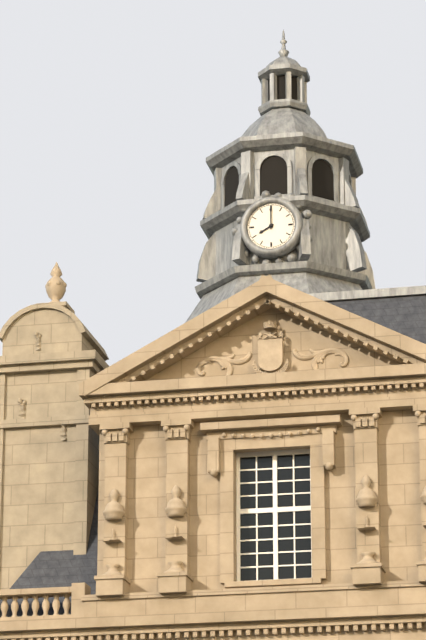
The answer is 8.00
